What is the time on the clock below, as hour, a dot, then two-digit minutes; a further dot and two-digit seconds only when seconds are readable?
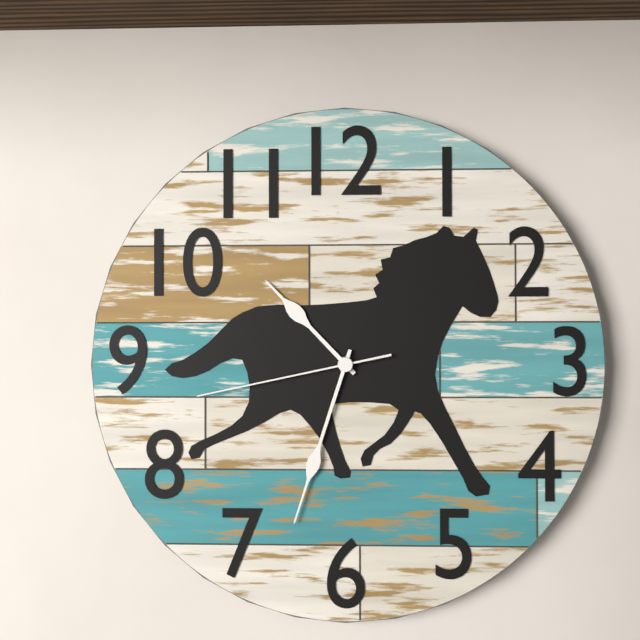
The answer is 10.33.43
